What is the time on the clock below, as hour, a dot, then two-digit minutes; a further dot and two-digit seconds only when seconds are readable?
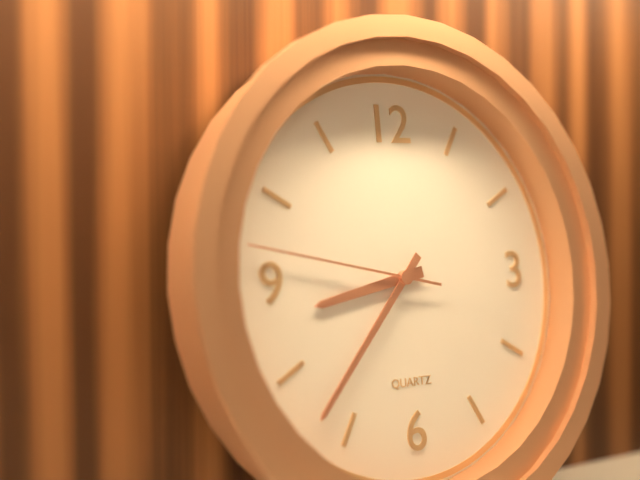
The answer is 8.37.47
